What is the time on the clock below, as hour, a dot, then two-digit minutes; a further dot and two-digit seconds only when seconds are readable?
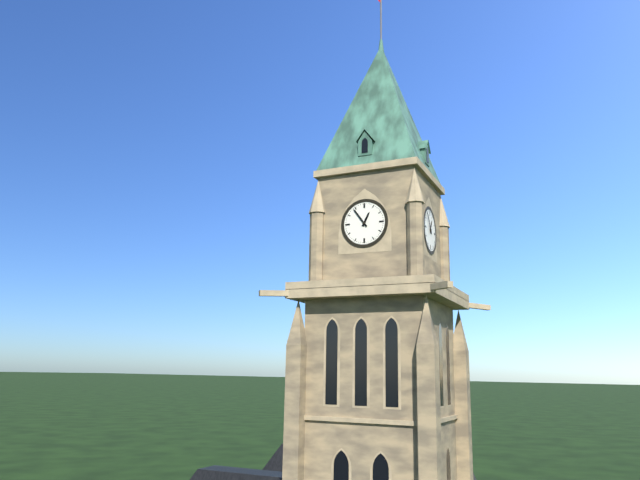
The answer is 12.54
